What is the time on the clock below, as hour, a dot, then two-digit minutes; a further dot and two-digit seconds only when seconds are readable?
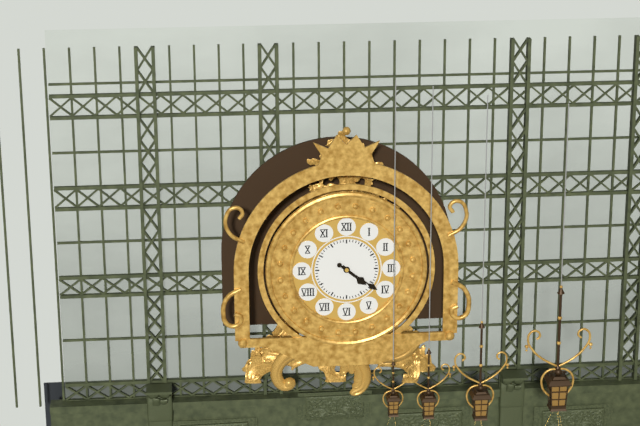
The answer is 4.21
